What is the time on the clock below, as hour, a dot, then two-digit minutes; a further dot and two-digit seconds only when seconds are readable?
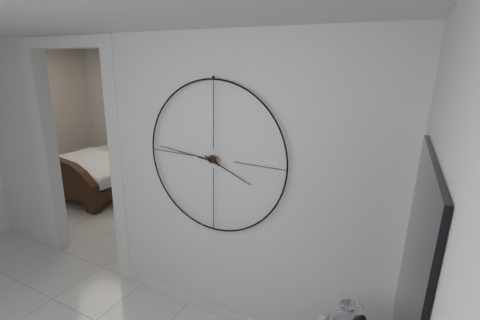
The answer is 3.46
